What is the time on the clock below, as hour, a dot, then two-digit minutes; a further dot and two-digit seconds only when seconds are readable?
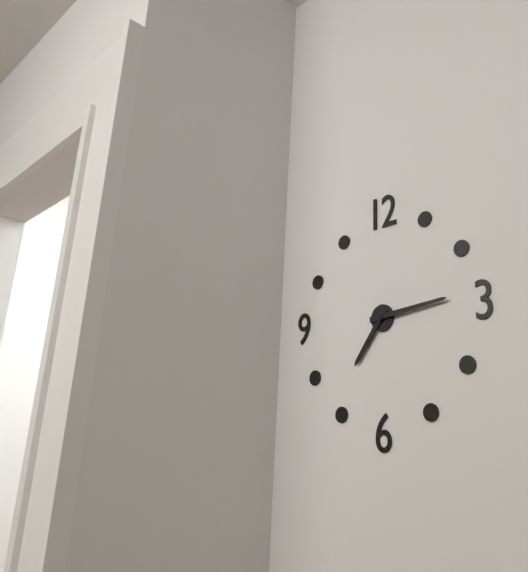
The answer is 7.14
